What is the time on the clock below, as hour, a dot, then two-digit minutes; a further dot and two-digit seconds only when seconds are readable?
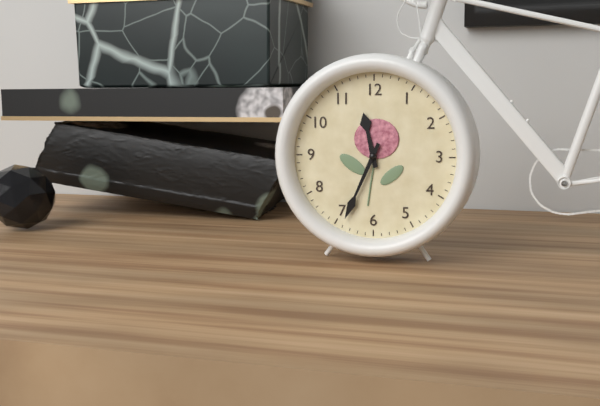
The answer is 11.34
